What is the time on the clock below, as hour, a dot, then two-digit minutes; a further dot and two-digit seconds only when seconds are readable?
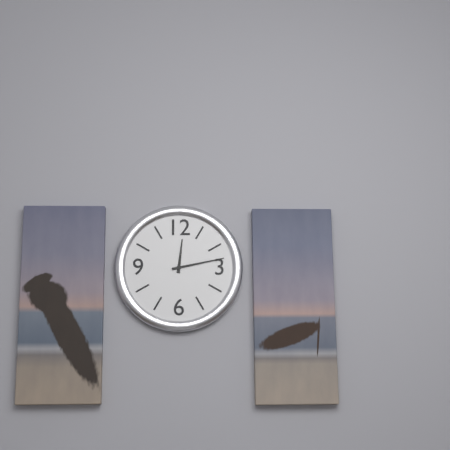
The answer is 12.13
